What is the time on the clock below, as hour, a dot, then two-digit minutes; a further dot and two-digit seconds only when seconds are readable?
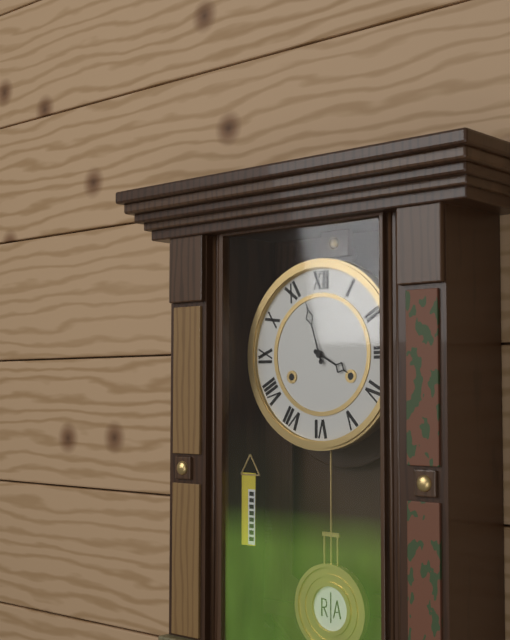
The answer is 3.57
